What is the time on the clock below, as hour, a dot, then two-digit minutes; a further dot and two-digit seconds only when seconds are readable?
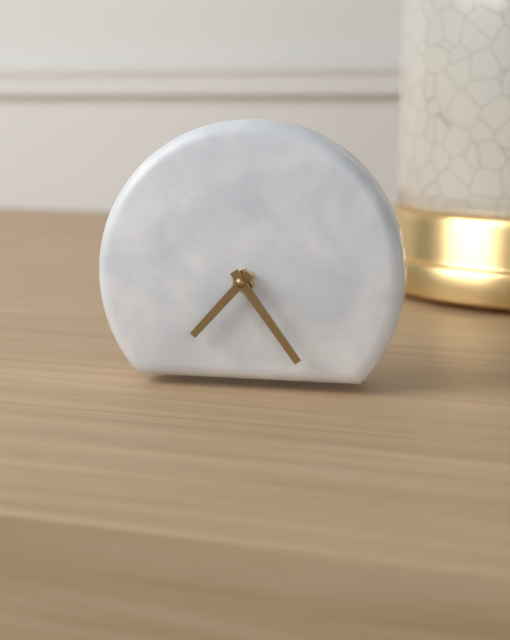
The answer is 7.24
